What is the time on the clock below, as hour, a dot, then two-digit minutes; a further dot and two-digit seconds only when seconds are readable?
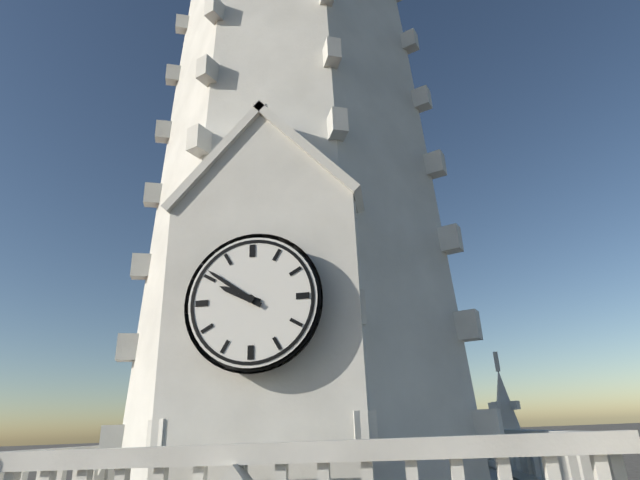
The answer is 9.51
